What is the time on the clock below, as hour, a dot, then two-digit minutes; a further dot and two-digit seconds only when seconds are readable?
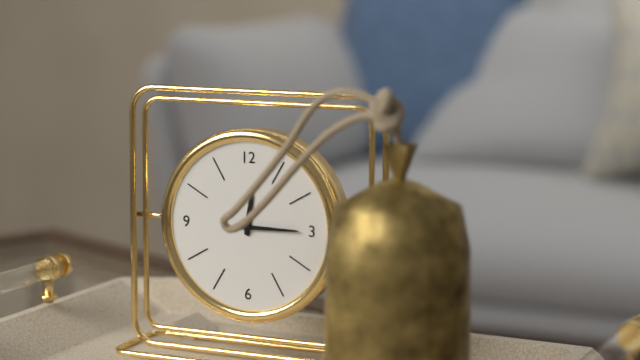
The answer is 12.15
